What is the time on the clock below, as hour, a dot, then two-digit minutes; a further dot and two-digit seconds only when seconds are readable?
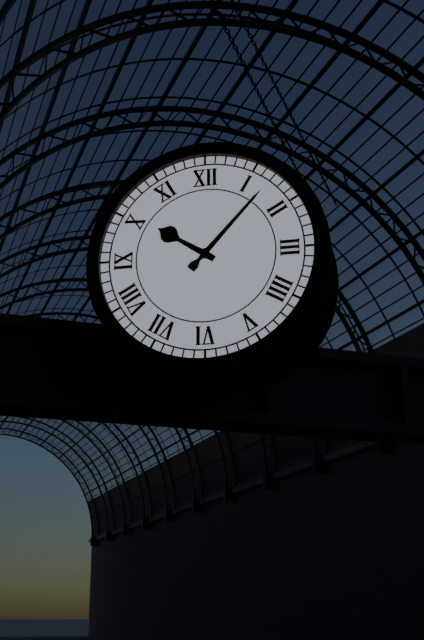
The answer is 10.07
